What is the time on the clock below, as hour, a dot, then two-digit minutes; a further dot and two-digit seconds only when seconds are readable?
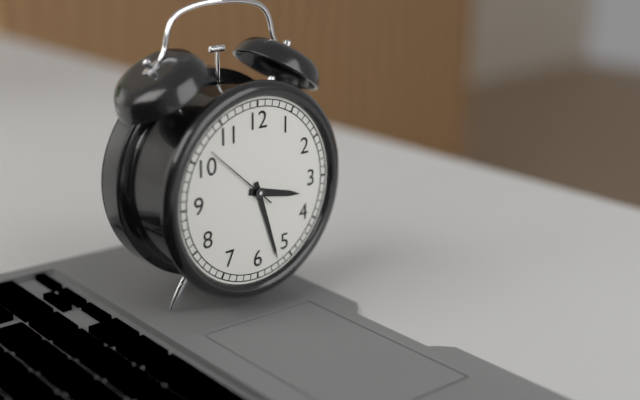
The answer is 3.27.52
